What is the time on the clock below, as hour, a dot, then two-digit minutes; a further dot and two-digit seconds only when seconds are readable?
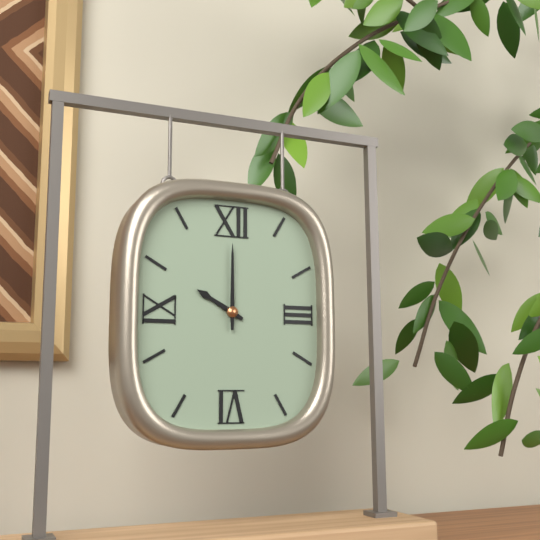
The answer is 10.00
